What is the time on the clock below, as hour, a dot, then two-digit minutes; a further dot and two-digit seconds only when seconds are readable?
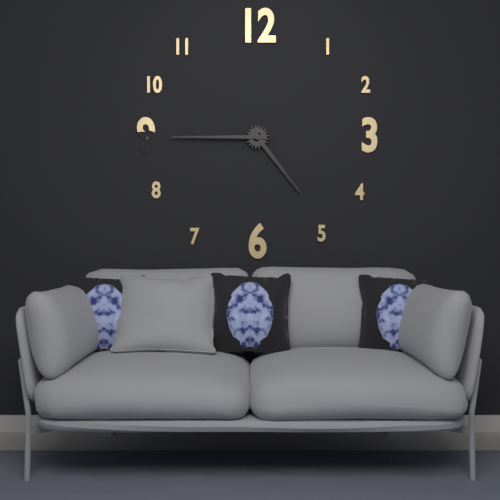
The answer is 4.45
